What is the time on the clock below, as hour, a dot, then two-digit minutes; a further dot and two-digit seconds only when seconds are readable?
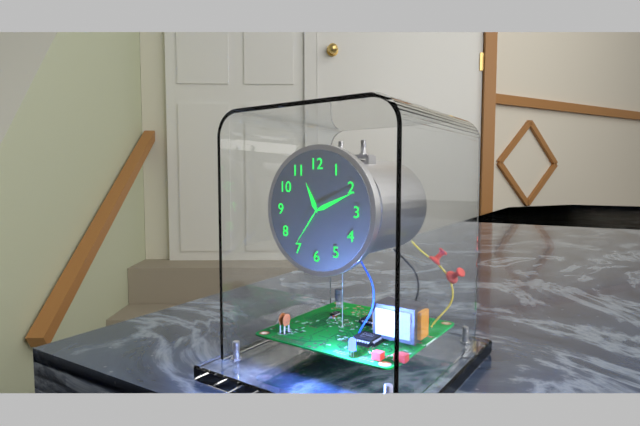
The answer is 11.11.36
